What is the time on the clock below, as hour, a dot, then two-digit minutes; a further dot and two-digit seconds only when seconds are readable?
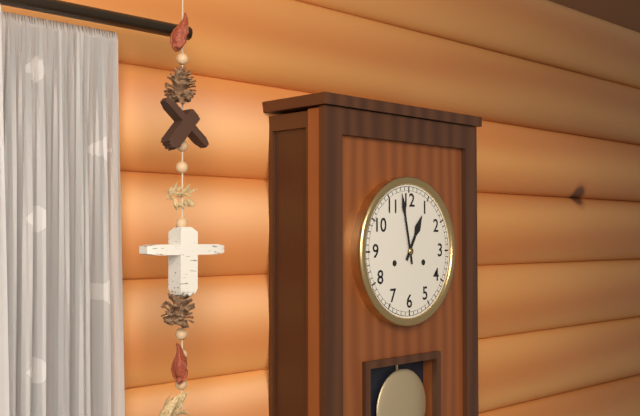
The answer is 12.58
